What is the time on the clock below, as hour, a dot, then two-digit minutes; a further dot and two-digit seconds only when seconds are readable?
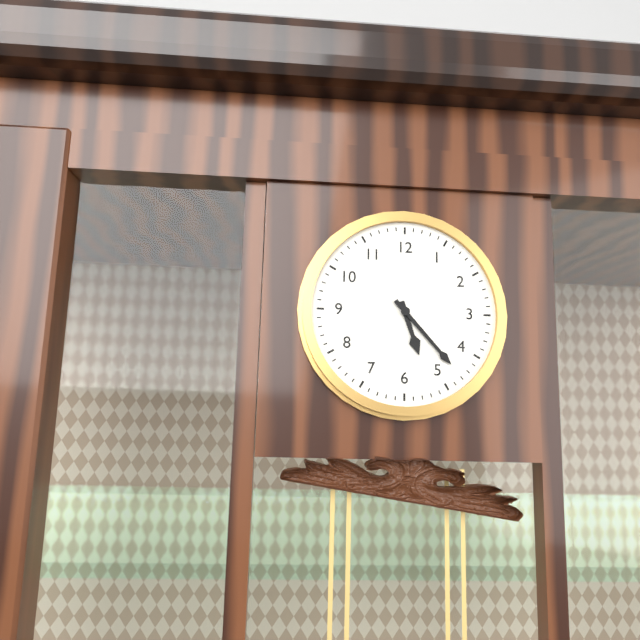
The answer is 5.23
